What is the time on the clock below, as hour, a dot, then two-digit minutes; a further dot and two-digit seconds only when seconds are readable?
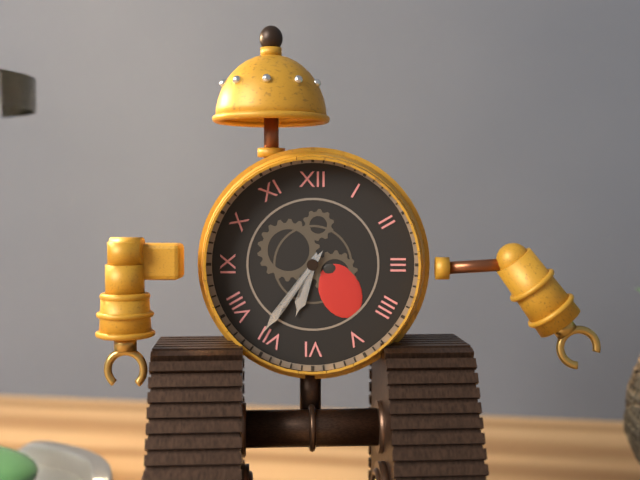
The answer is 6.36
